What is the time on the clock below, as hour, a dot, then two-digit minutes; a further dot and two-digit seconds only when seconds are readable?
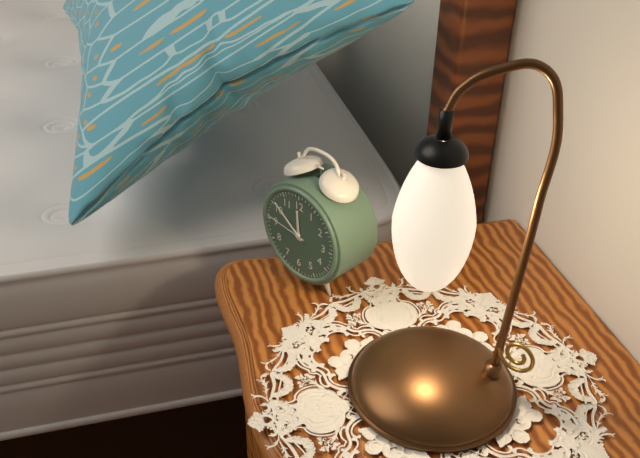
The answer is 11.51
